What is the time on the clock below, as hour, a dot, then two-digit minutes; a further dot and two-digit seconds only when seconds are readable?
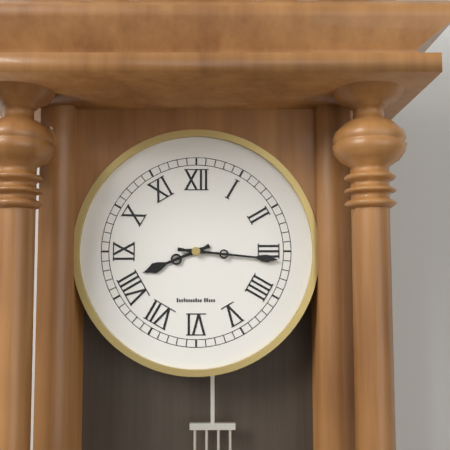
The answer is 8.16
